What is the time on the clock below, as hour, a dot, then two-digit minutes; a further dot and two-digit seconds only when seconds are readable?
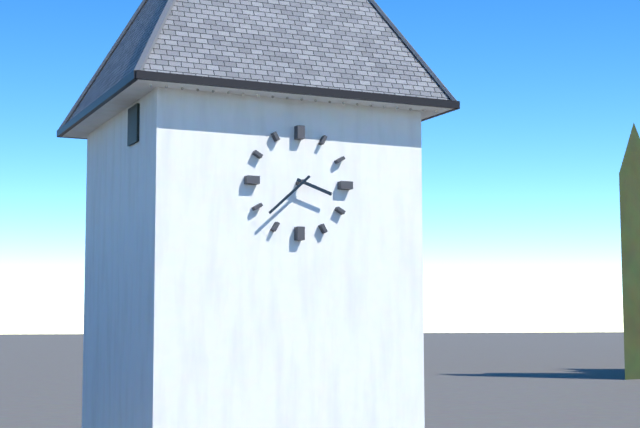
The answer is 3.38
